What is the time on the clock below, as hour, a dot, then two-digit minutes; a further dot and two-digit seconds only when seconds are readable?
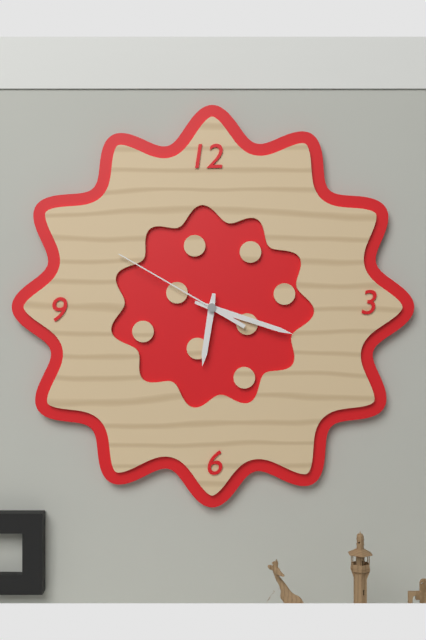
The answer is 6.18.50
